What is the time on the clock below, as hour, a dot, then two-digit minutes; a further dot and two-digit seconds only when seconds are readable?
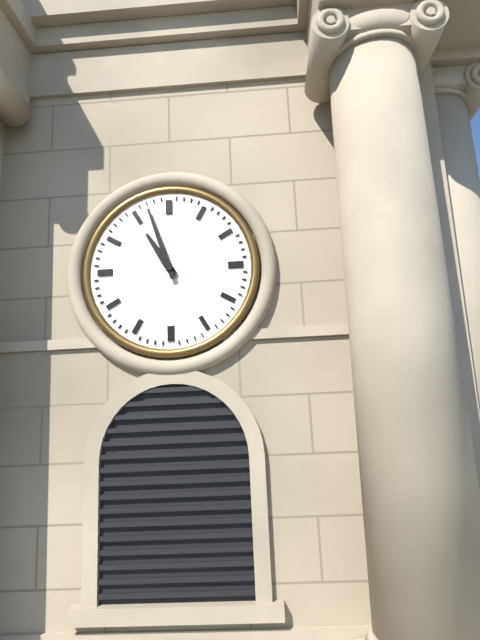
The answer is 10.57
